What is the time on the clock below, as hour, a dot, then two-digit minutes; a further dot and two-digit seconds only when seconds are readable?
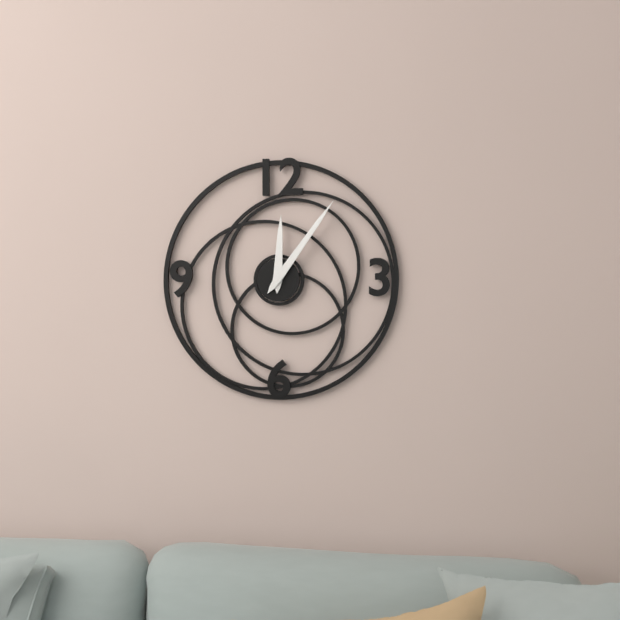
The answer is 12.06
